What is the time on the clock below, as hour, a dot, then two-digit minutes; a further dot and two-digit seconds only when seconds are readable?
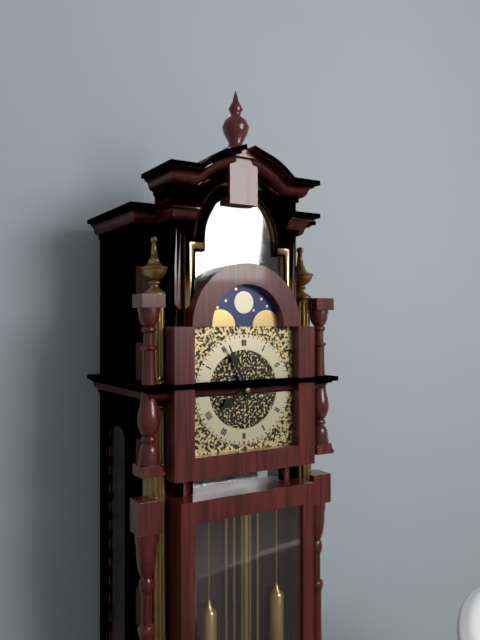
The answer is 7.56
